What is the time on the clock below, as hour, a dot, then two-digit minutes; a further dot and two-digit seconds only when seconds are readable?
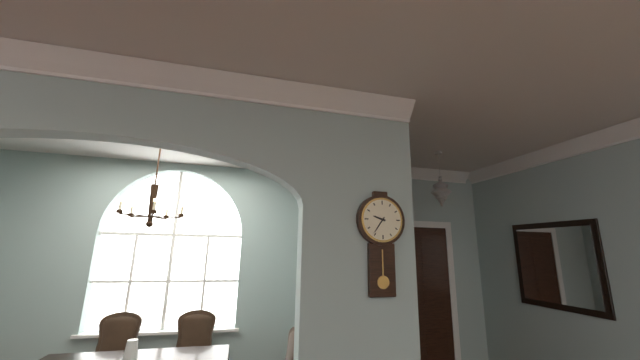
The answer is 9.36
